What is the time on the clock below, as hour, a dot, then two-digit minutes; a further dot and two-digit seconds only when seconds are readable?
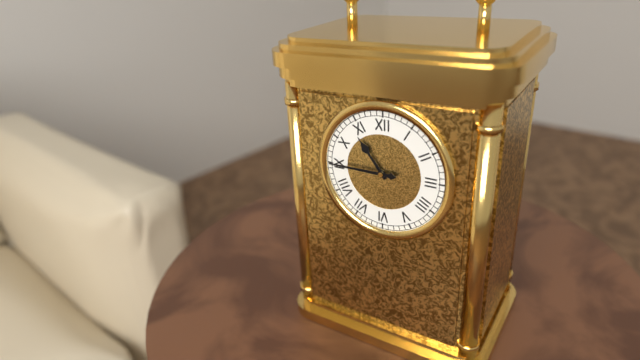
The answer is 10.45
